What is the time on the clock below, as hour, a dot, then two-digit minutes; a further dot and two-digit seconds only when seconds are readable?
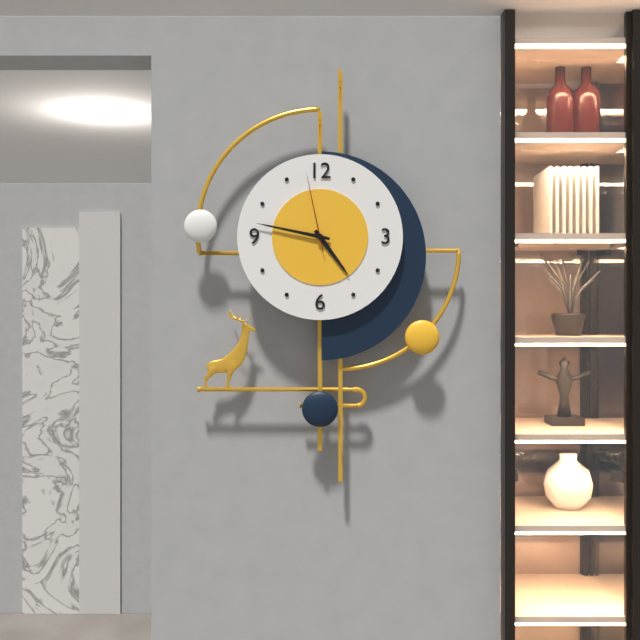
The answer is 4.47.58
